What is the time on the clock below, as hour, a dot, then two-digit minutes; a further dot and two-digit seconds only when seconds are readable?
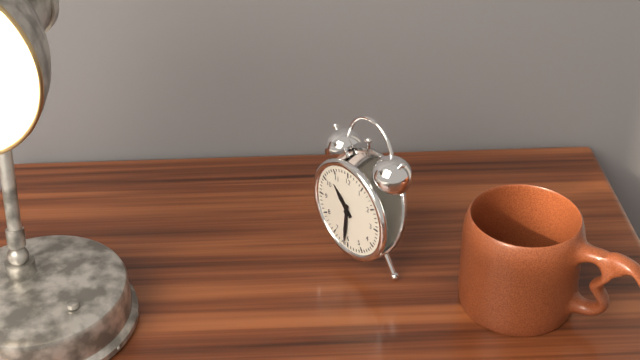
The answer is 10.31
